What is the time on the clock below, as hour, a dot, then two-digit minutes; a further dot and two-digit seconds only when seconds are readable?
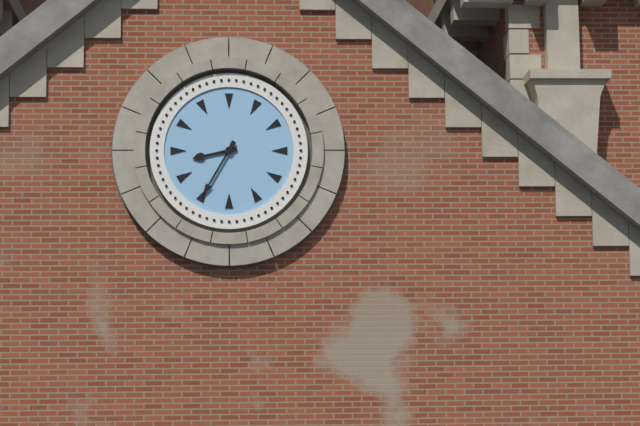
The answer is 8.35
